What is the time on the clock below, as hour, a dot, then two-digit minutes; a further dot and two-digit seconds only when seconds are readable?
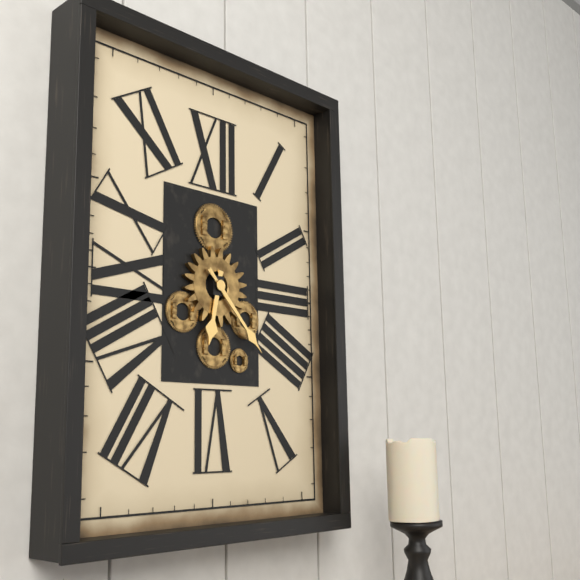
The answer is 6.23
